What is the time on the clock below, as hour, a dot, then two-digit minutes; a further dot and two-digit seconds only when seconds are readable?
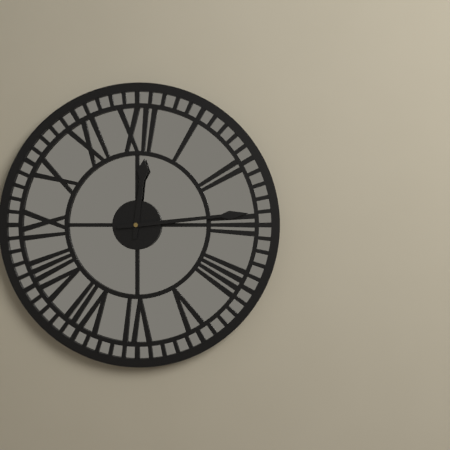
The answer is 12.14
